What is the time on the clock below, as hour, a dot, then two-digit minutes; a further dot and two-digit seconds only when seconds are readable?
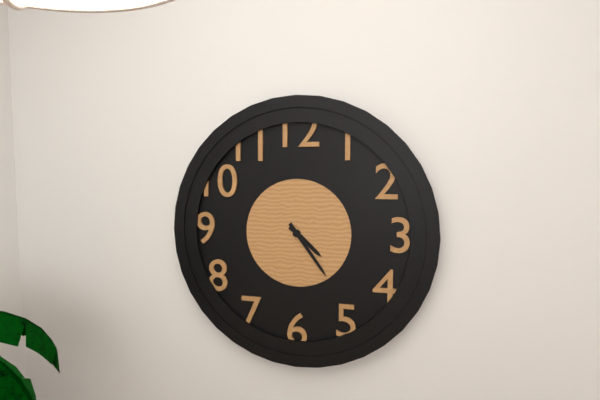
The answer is 4.24
